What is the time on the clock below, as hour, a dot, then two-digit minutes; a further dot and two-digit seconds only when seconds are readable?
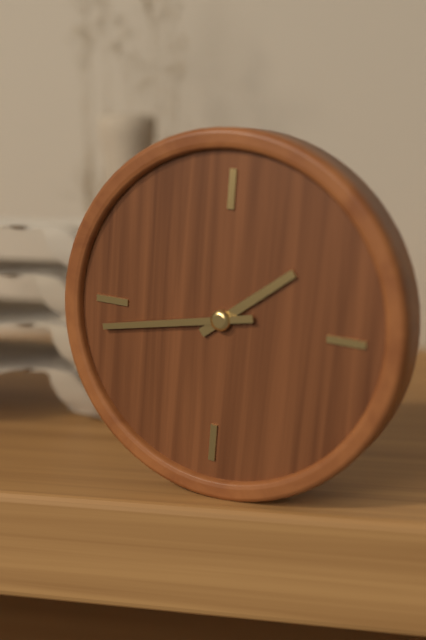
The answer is 1.43
